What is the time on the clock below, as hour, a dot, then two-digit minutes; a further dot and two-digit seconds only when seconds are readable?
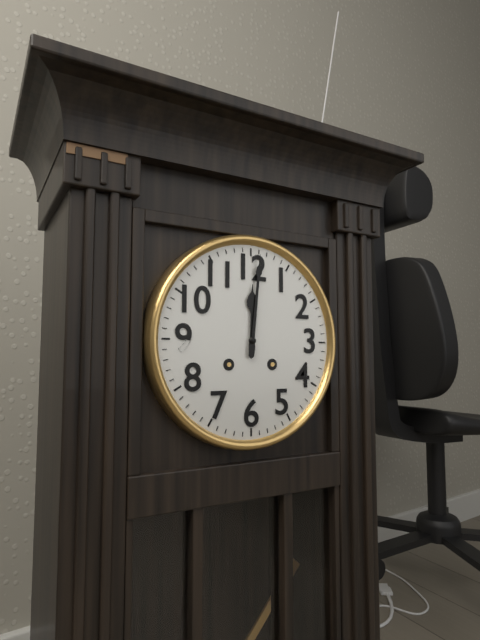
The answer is 12.01
